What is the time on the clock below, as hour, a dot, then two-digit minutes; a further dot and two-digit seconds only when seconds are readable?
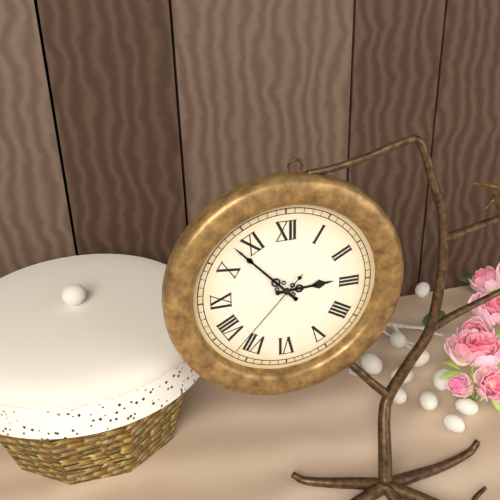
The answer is 2.53.37
